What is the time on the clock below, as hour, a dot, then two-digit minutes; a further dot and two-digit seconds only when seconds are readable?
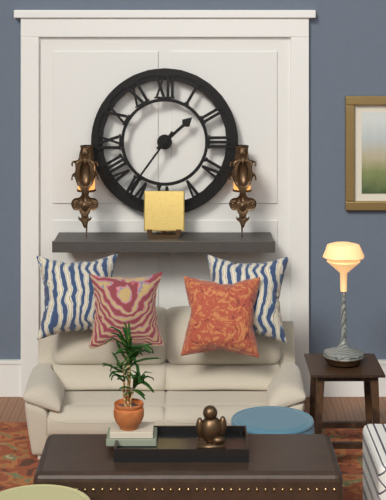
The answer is 1.36
